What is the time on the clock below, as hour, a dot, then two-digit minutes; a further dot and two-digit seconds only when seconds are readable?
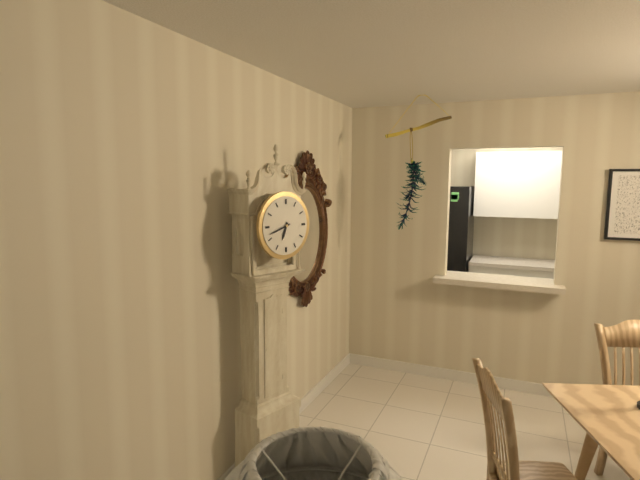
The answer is 6.42
